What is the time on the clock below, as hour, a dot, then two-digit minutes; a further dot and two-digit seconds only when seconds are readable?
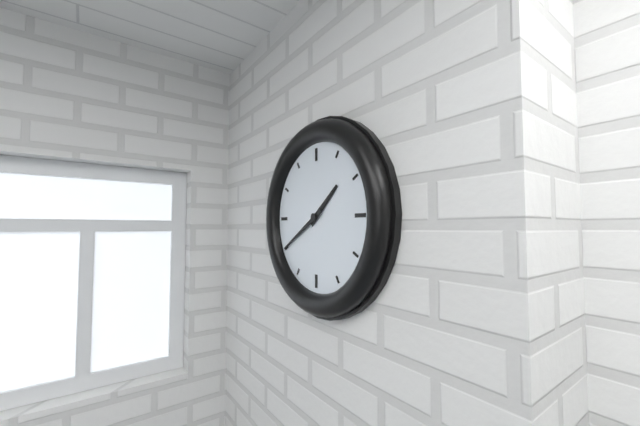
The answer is 1.40
